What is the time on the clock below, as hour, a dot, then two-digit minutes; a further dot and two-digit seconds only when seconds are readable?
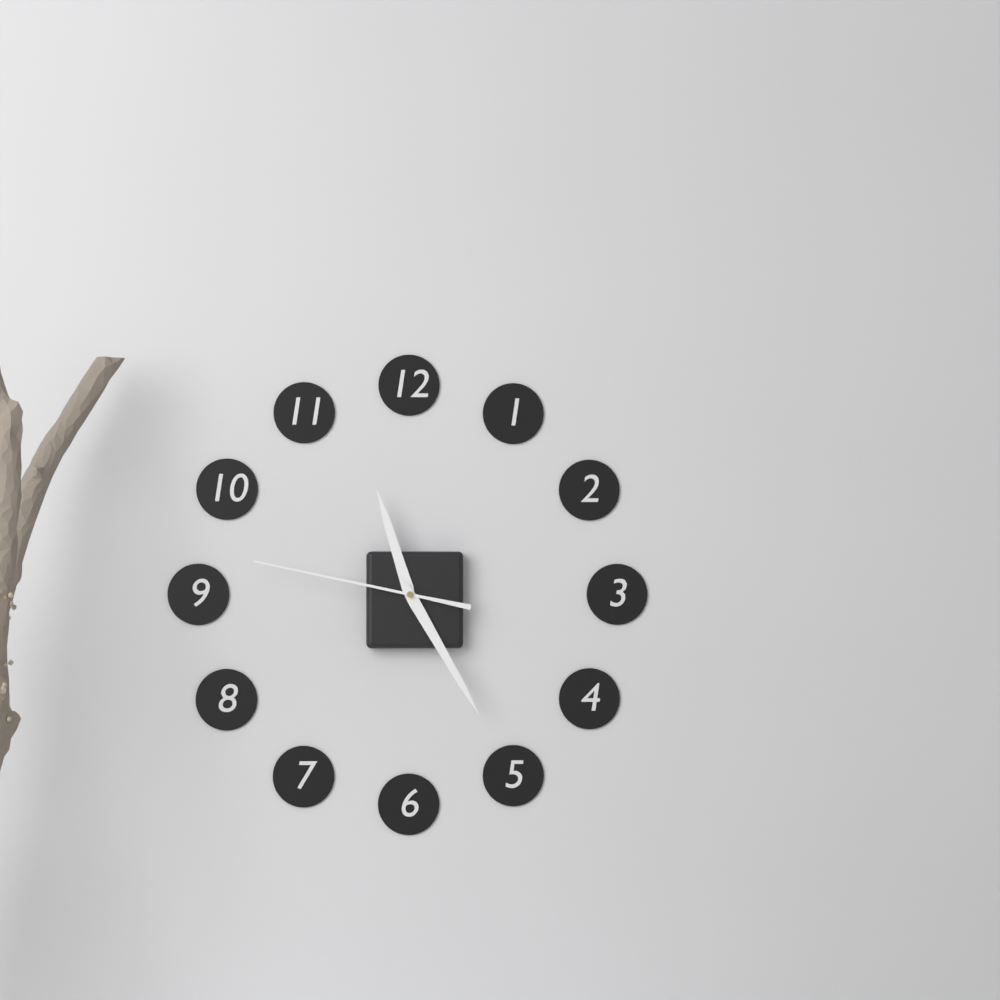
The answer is 11.25.47
